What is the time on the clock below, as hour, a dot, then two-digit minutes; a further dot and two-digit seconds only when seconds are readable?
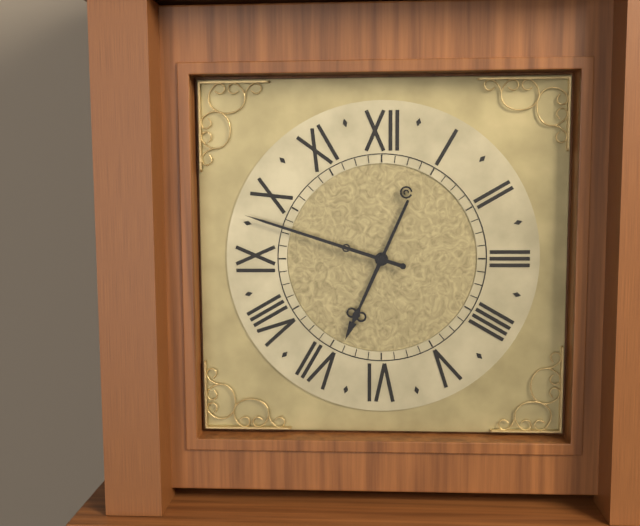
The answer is 6.48
